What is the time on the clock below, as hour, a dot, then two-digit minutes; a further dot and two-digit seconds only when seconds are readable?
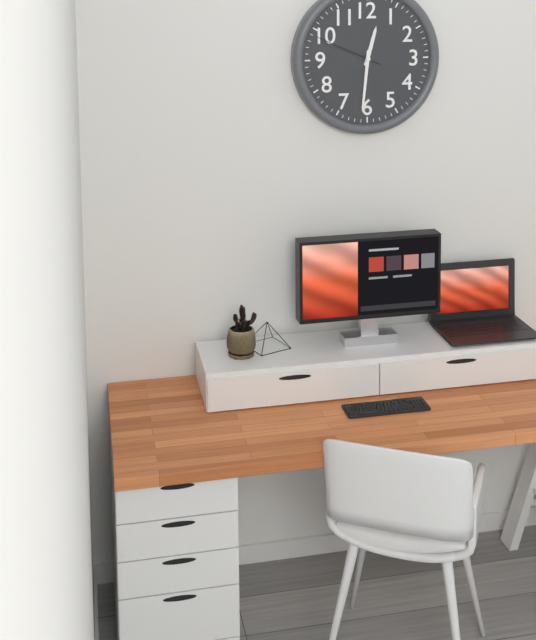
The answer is 12.31.49
